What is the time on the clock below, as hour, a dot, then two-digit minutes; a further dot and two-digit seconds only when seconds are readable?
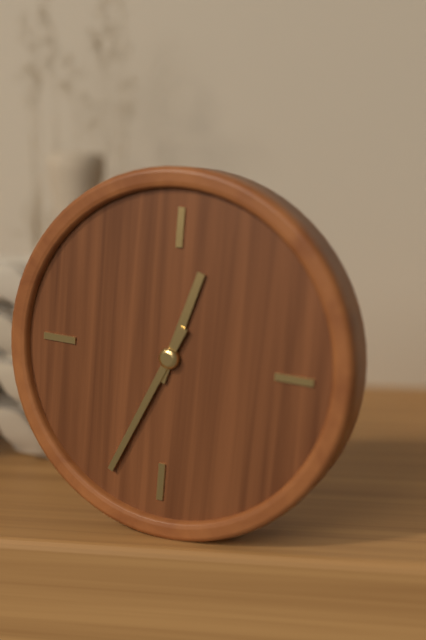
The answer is 12.34
